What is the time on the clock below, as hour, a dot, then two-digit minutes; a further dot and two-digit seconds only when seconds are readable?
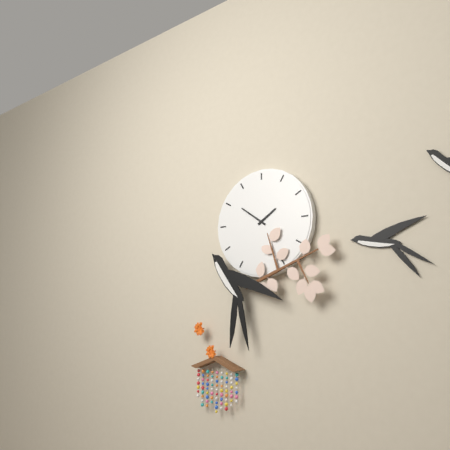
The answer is 1.51
